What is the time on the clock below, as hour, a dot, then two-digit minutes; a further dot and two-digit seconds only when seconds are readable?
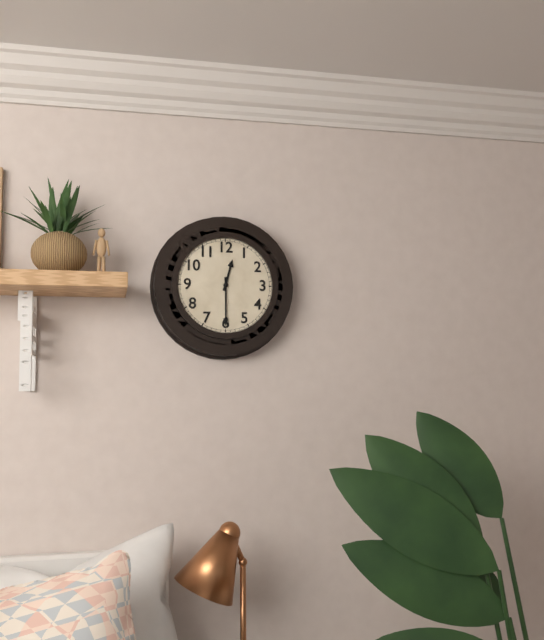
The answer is 12.30
